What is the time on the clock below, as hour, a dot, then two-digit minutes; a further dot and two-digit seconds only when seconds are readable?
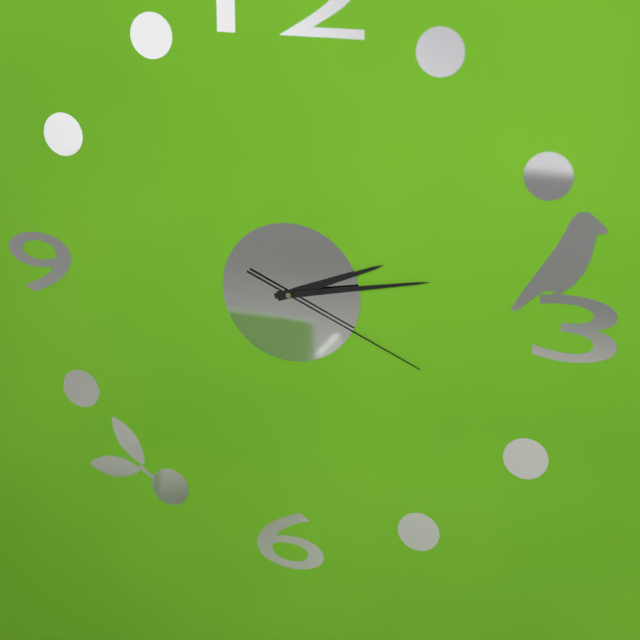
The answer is 2.13.19
